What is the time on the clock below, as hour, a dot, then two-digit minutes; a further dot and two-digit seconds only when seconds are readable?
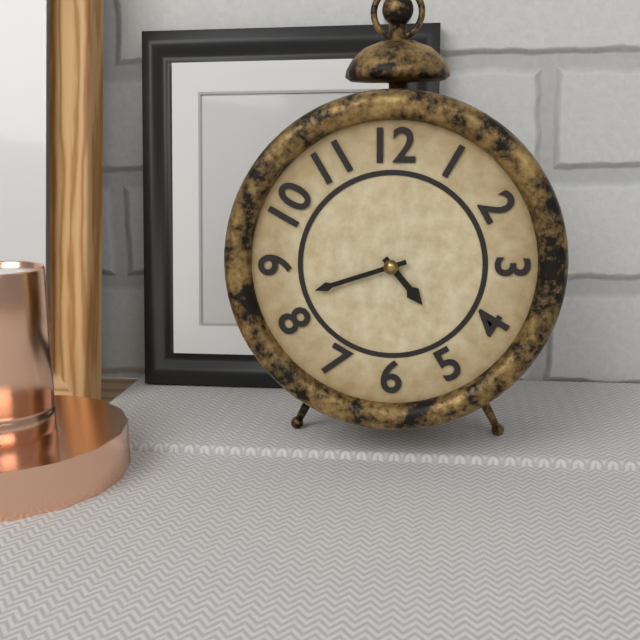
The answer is 4.42
